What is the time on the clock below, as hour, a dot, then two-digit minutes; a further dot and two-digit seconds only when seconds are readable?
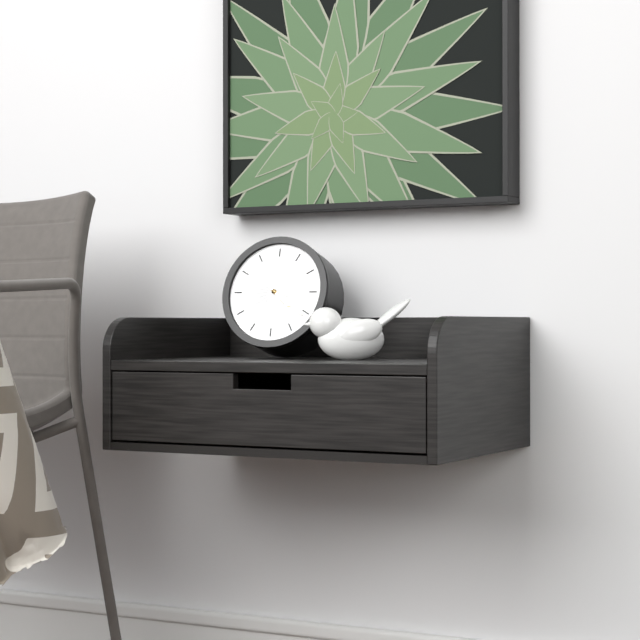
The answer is 4.21
